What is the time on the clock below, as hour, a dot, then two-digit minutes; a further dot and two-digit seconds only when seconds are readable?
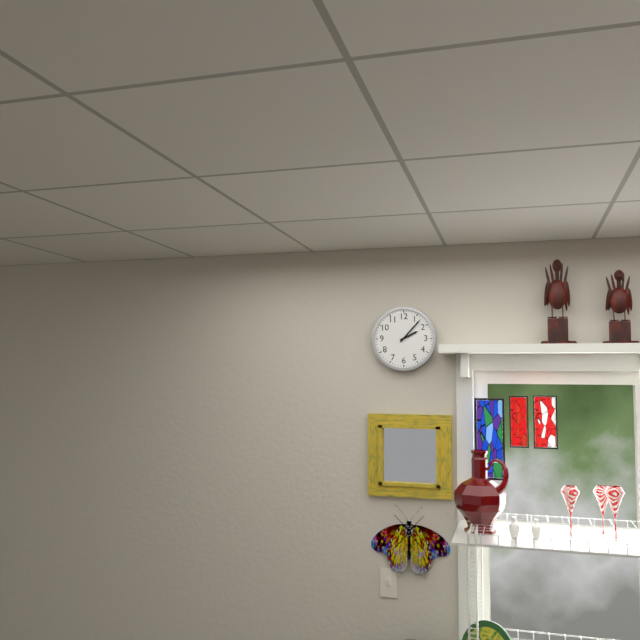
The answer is 2.07
